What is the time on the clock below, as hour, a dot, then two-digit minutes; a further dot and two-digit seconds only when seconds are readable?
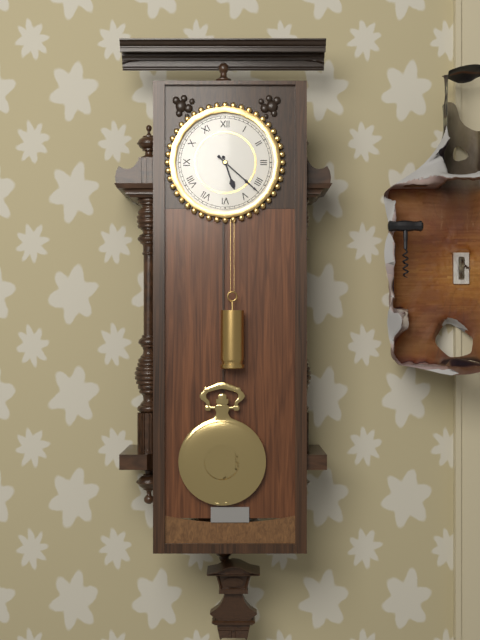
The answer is 5.22
